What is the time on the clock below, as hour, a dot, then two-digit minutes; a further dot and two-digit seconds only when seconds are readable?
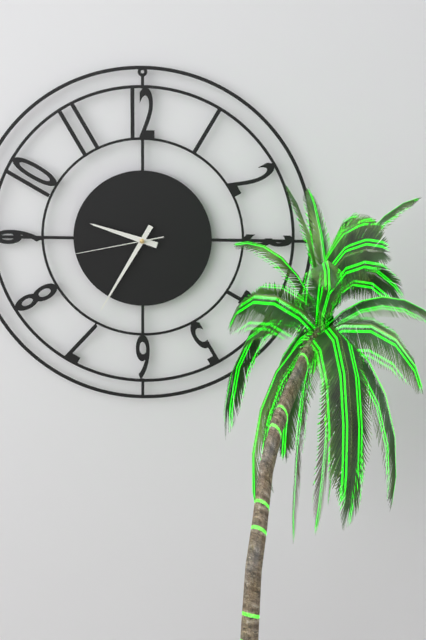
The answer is 9.35.43
